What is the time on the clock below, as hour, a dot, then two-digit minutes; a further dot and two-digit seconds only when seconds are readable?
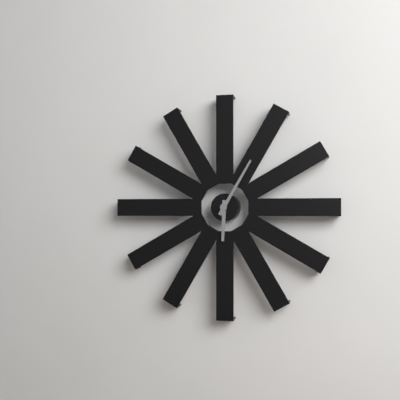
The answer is 6.05
